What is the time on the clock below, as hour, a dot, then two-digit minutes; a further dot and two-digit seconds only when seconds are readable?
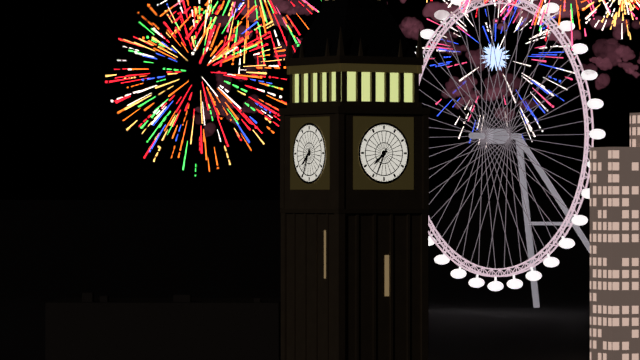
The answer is 7.34
